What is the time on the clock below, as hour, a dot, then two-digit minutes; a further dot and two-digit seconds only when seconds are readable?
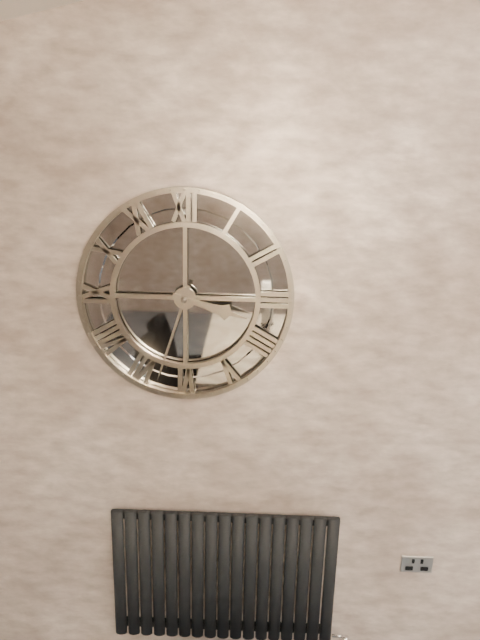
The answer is 3.33
